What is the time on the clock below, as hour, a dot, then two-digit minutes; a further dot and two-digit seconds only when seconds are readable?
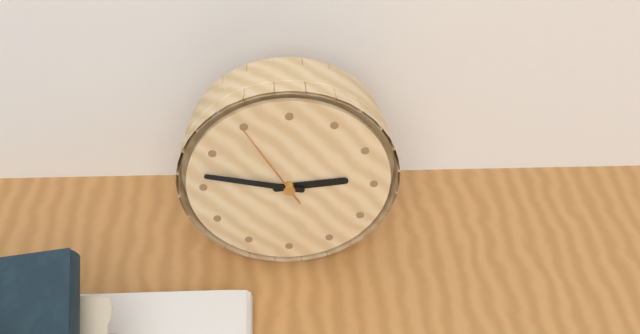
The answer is 2.47.55
